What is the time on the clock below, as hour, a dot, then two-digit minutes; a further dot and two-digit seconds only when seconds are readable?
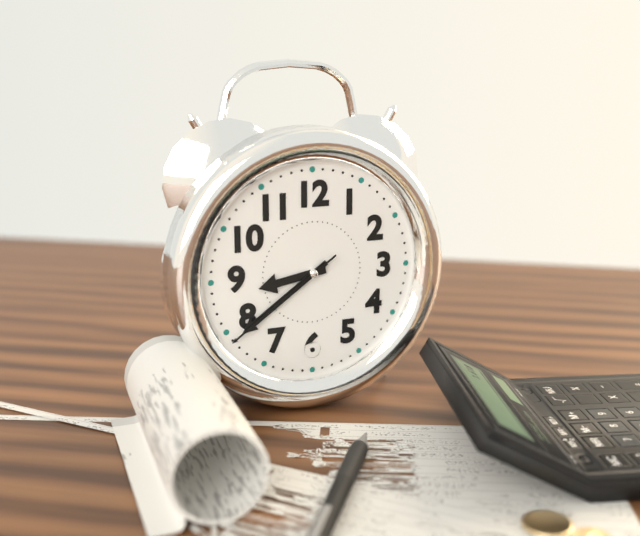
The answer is 8.39.39
